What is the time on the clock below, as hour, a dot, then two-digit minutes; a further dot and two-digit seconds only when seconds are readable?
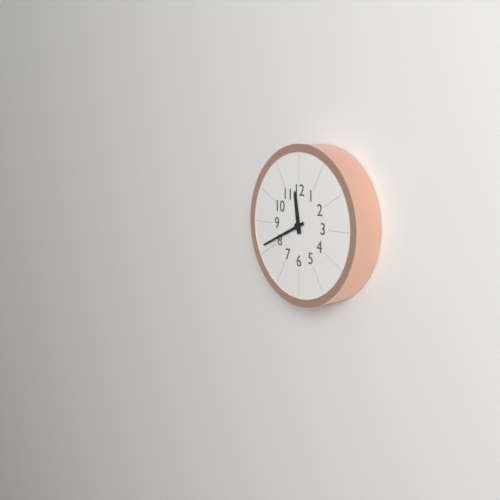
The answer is 11.41
